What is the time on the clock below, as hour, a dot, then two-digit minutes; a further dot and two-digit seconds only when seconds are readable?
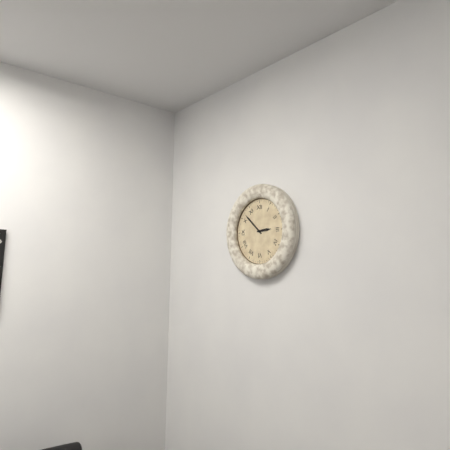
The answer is 2.52
